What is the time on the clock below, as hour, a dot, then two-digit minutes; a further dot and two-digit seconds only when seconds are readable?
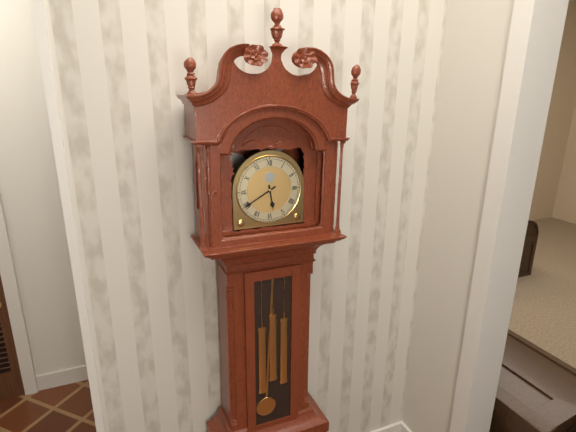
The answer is 5.40
